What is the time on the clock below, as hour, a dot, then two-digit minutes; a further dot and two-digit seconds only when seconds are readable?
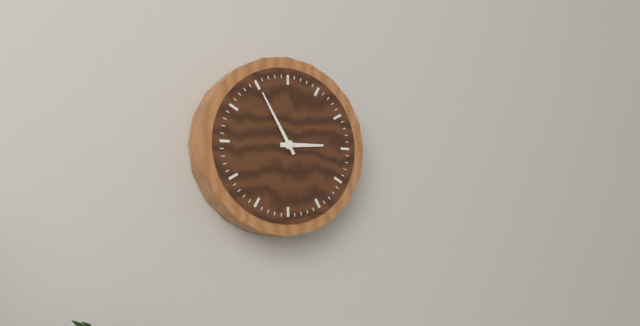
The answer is 2.55
